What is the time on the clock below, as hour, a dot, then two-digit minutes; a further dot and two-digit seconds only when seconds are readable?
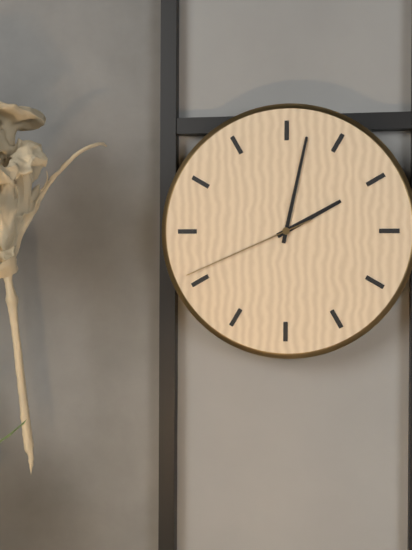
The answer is 2.02.41
